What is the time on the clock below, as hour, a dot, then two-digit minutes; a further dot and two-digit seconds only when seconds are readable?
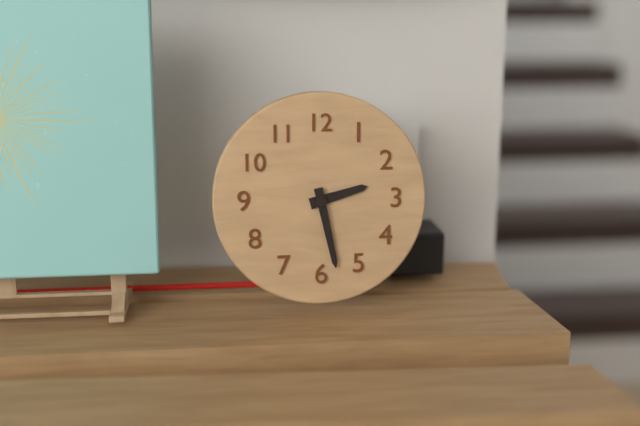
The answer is 2.28
